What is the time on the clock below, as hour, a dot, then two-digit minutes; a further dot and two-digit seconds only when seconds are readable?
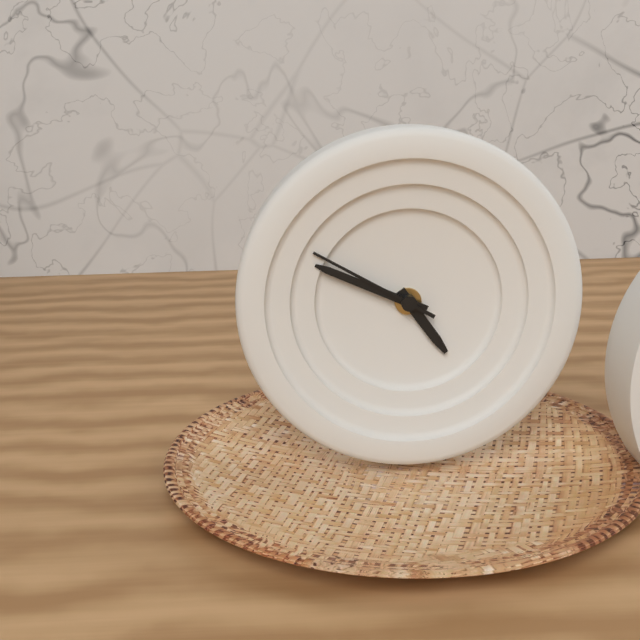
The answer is 4.49.50
